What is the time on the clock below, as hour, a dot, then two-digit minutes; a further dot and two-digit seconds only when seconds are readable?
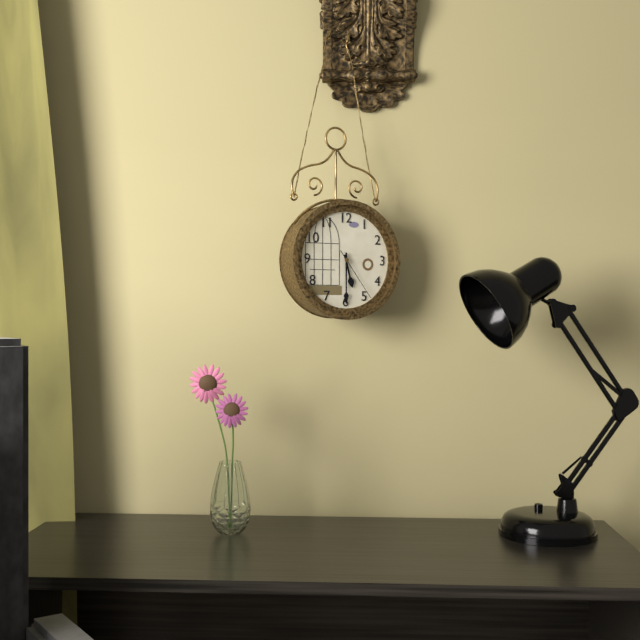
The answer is 5.30.24
